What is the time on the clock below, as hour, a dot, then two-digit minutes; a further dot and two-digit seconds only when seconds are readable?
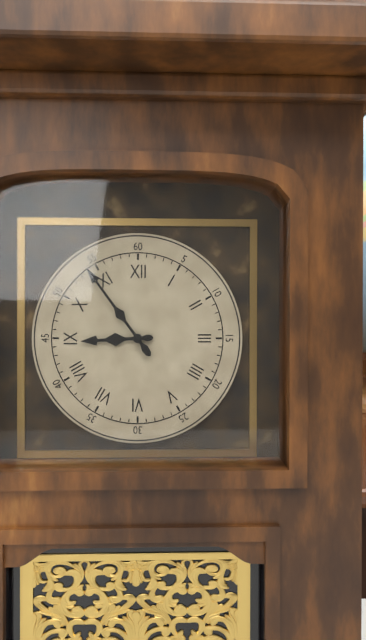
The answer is 8.54
